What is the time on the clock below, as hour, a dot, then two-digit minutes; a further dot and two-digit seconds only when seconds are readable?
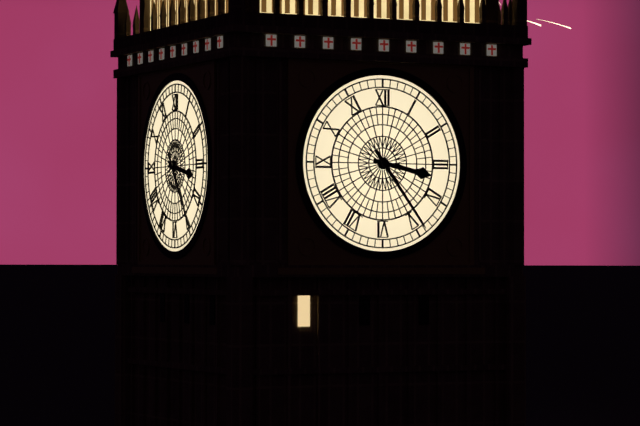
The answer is 3.24
